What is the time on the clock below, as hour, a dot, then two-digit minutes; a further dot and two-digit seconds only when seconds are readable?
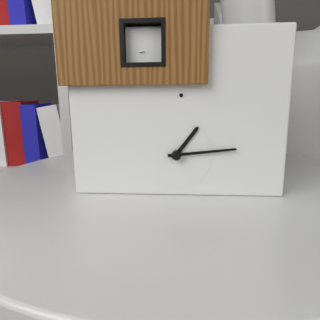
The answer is 1.14
